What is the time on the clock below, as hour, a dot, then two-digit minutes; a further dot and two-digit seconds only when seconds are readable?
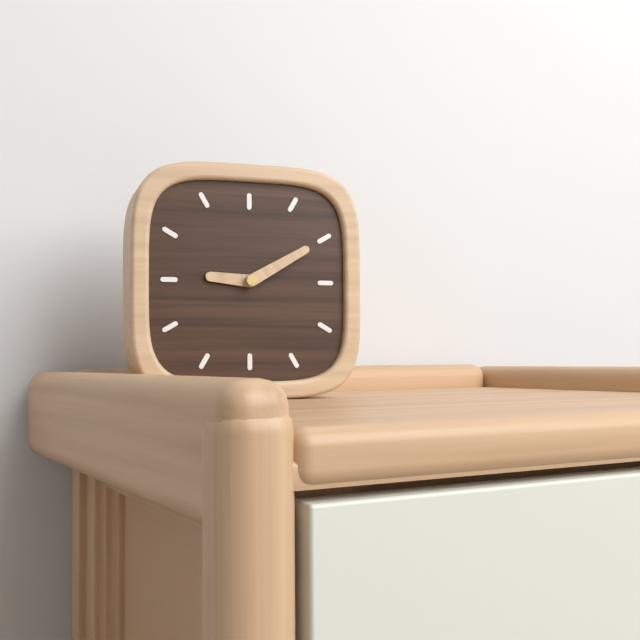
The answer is 9.10
